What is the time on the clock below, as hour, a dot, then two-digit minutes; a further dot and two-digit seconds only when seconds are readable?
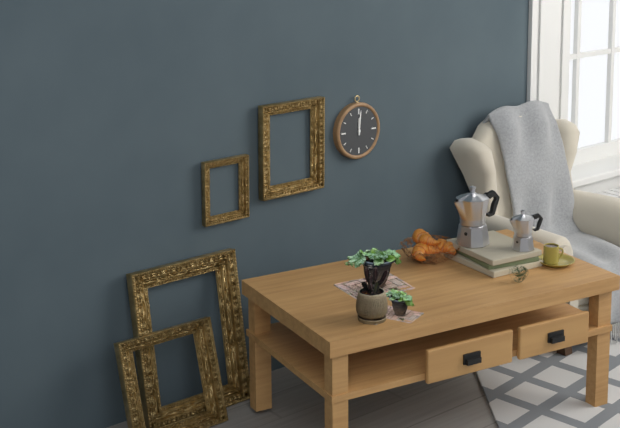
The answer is 12.01
